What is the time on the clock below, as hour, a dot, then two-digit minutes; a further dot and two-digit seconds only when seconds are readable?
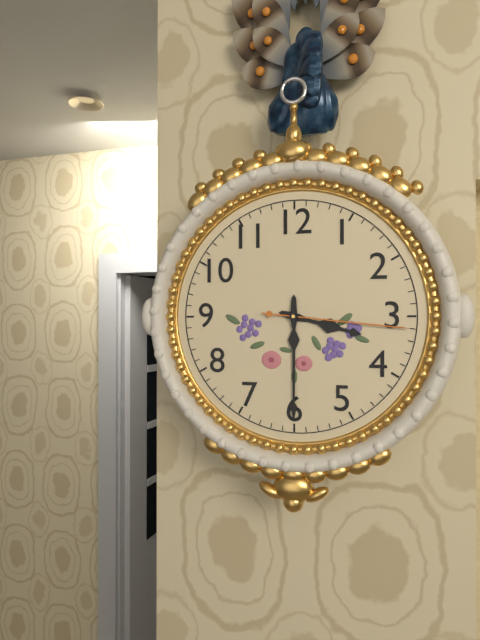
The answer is 3.30.16
